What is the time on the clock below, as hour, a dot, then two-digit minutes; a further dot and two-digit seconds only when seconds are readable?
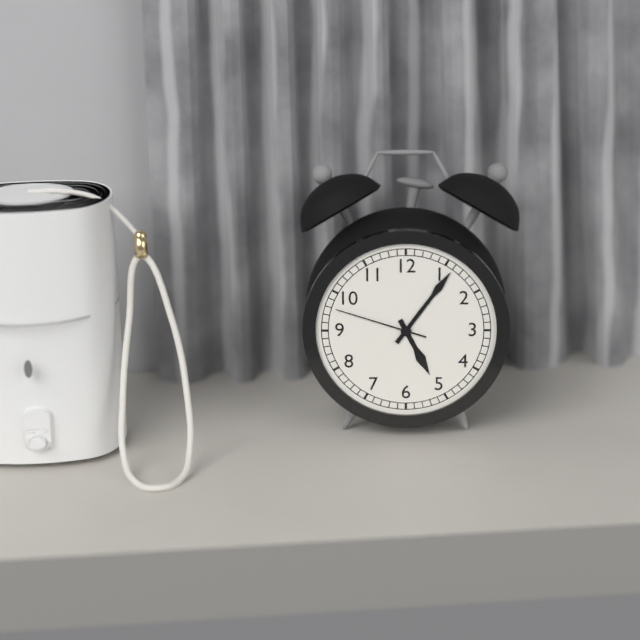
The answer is 5.06.48
